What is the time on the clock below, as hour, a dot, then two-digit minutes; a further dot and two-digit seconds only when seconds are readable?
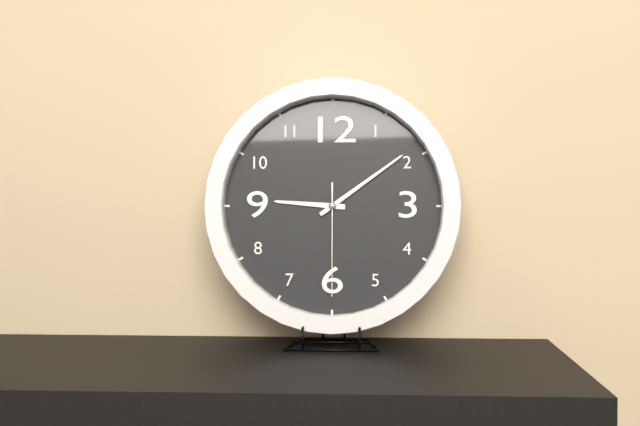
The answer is 9.09.30
